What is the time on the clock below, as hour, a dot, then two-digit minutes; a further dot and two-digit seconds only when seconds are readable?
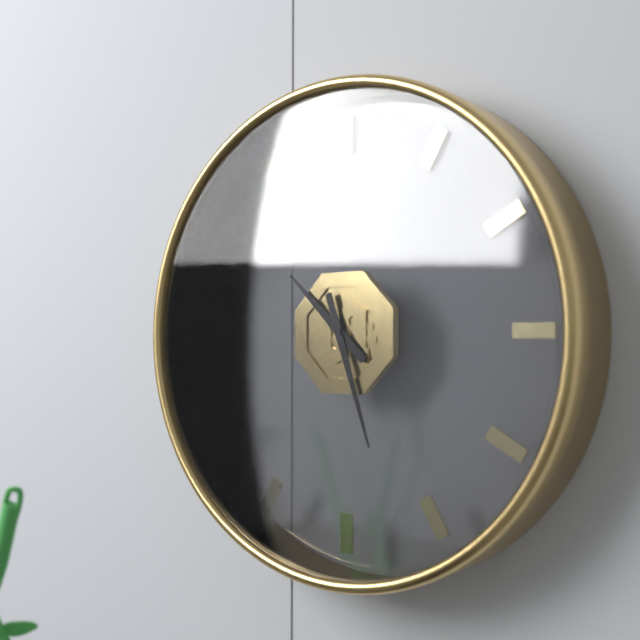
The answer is 10.27
